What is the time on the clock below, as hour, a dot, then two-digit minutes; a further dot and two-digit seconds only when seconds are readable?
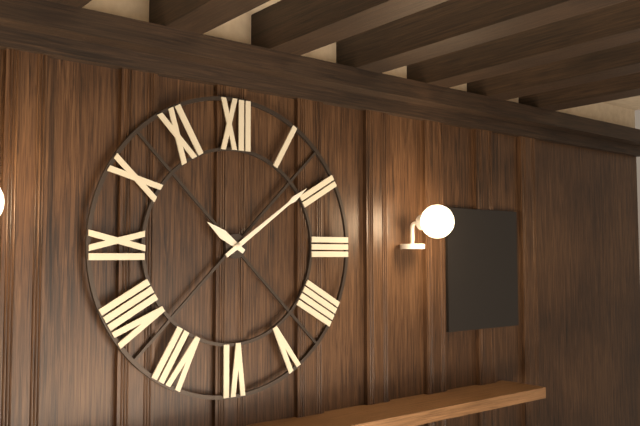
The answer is 10.09
